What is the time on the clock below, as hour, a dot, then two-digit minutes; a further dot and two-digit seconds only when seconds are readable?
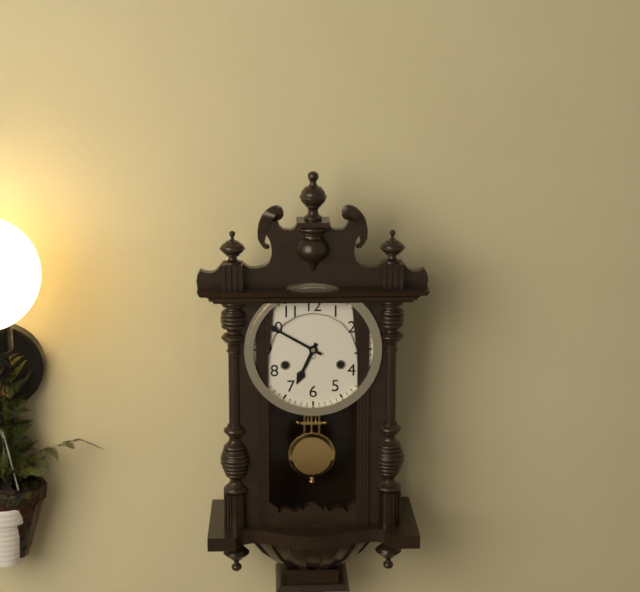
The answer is 6.50
